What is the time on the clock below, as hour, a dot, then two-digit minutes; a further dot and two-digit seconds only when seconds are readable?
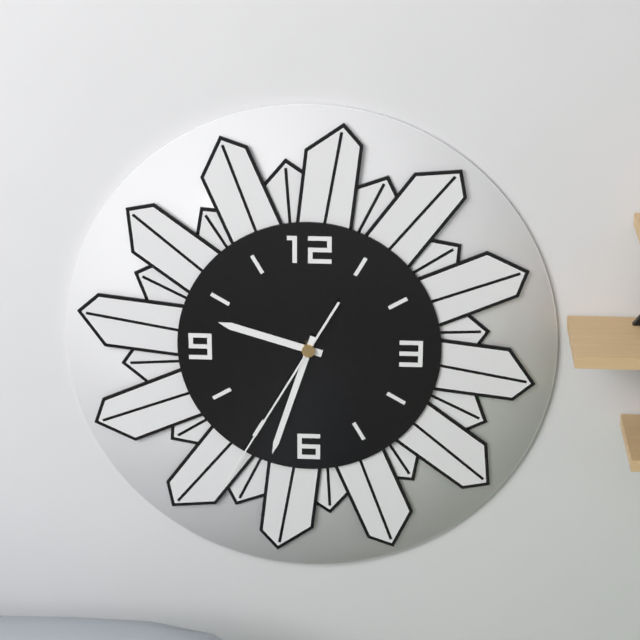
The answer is 9.33.35
